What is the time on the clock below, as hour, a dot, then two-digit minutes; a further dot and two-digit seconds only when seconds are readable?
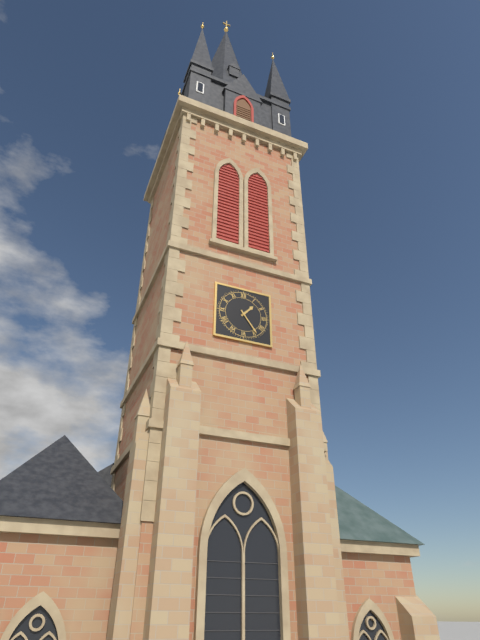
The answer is 1.24
